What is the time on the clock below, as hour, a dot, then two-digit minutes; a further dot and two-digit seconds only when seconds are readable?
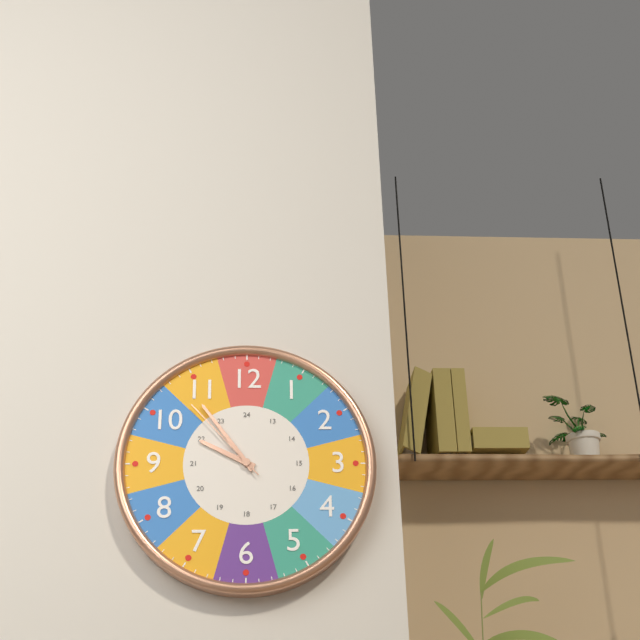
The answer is 9.54.53
